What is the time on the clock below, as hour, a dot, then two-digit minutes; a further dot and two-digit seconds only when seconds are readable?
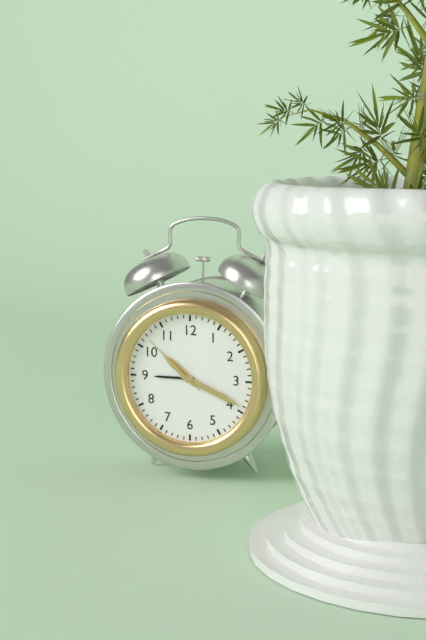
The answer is 10.19.52
